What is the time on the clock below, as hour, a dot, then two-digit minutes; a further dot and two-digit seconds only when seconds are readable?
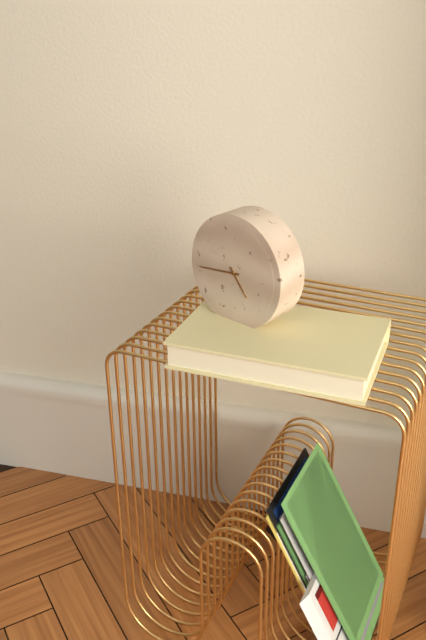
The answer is 4.44
